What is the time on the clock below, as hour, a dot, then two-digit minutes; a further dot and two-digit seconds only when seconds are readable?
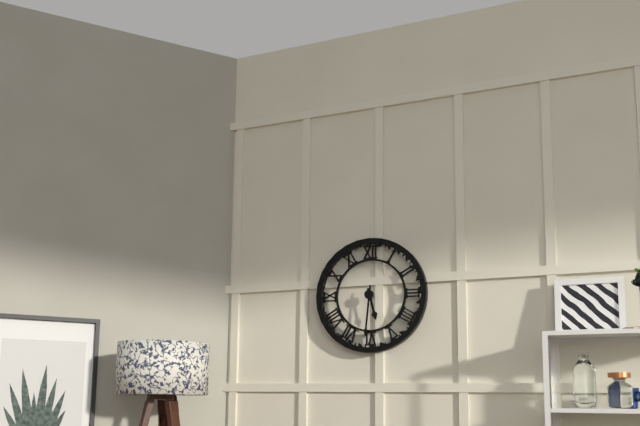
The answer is 5.31
